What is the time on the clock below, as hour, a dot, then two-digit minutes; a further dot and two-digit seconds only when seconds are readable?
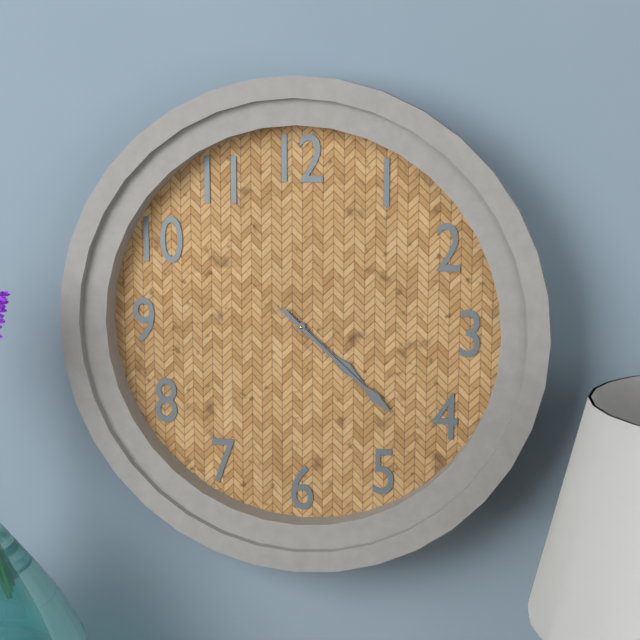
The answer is 4.22
